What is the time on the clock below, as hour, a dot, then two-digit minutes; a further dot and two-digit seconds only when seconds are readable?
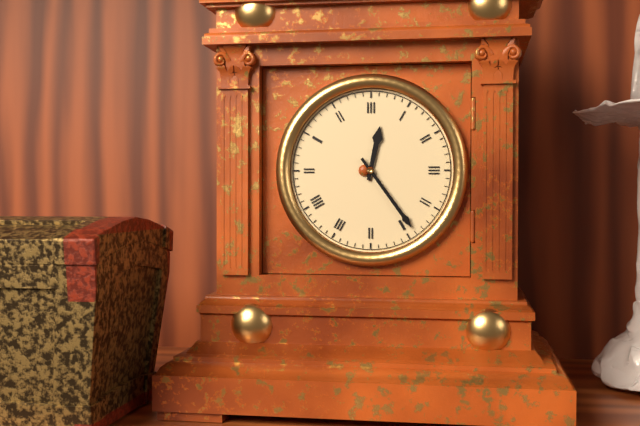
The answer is 12.24
